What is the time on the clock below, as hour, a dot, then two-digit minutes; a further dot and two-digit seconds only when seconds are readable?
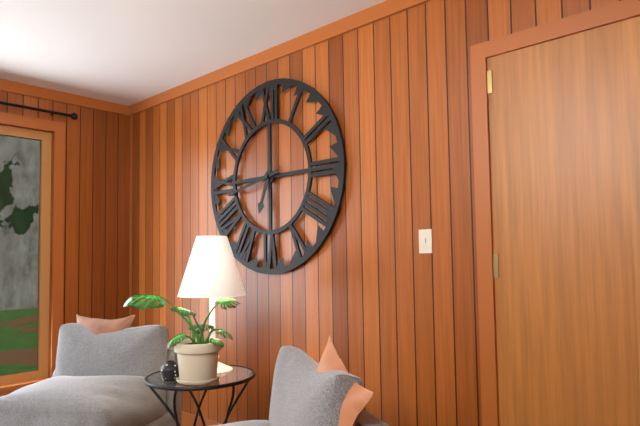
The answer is 6.43
